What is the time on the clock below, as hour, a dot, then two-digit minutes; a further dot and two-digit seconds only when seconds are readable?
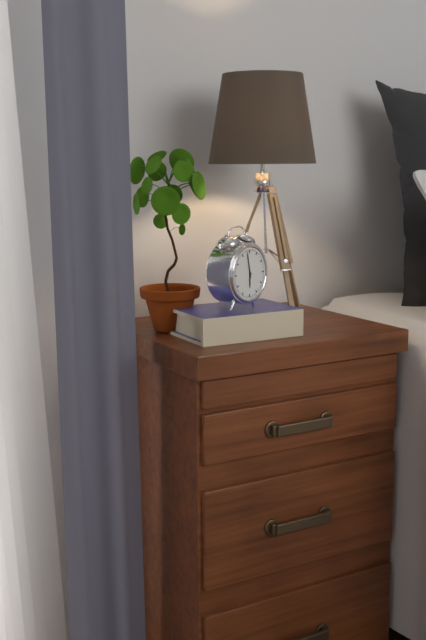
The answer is 5.58
